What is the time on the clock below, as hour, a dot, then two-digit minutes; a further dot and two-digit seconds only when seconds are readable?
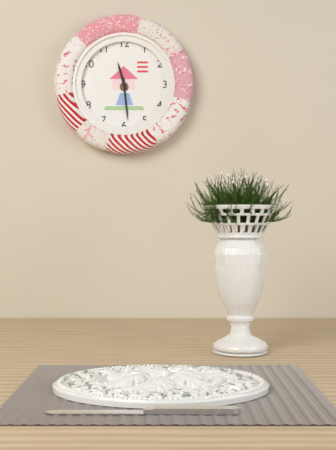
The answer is 11.29
